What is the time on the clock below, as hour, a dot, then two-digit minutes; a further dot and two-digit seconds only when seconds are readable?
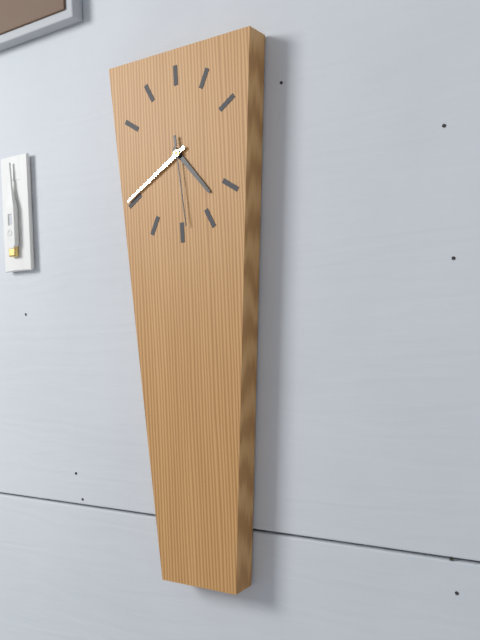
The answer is 4.40.29
